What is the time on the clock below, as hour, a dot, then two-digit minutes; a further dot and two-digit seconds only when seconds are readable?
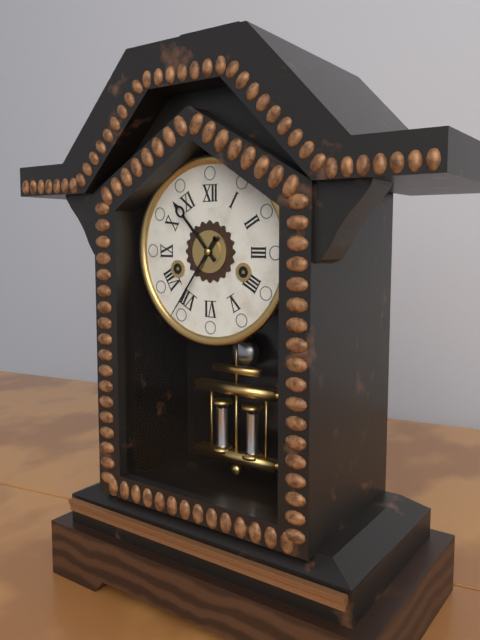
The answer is 10.36
